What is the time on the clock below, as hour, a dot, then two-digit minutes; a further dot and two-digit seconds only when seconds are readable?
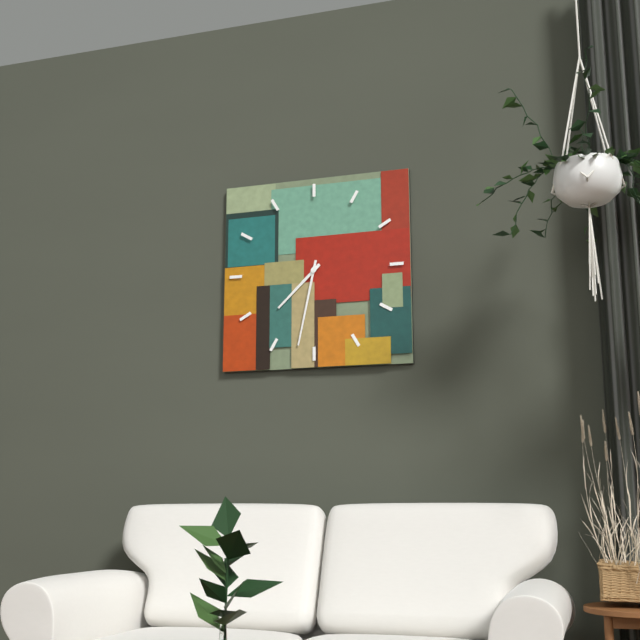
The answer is 7.32
